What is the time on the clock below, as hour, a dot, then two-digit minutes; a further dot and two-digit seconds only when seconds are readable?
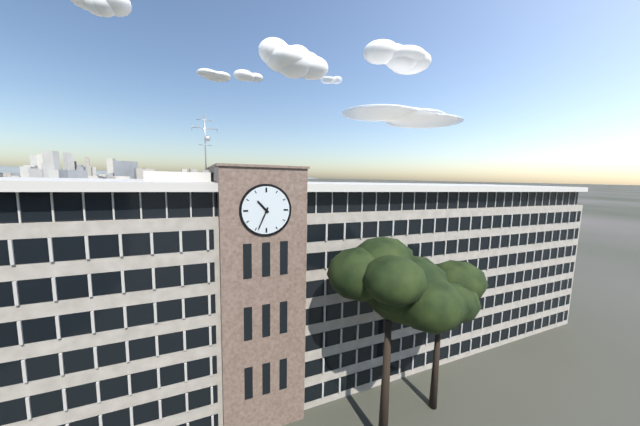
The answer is 10.34
